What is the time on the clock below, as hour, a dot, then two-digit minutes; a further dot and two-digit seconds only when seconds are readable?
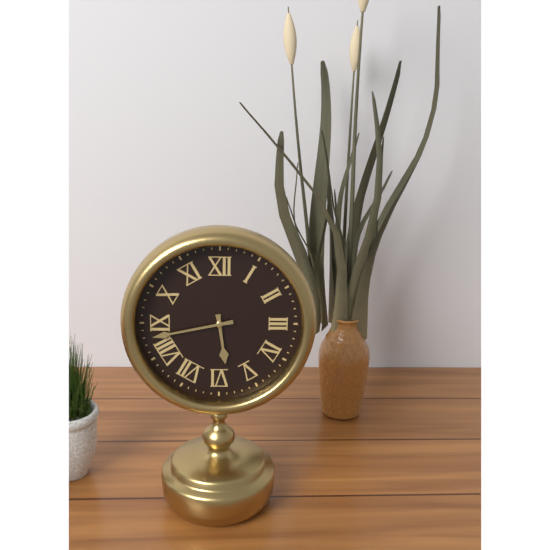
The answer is 5.43
